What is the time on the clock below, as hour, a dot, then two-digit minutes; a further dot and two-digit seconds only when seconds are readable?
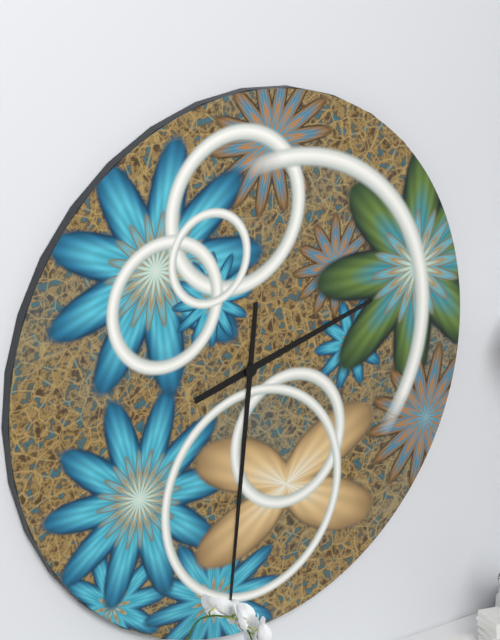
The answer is 2.31
